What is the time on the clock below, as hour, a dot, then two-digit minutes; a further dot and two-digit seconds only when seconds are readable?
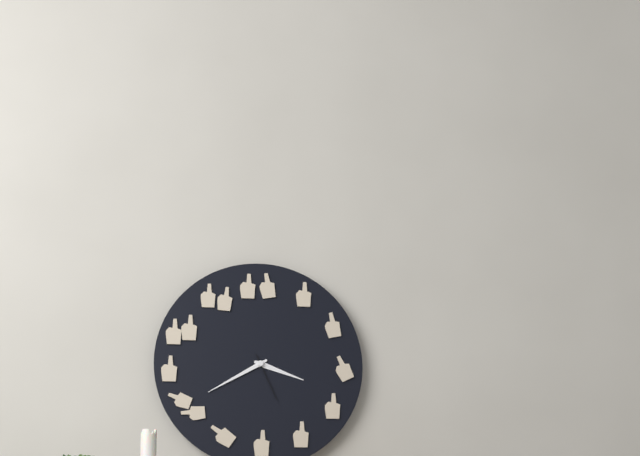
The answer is 3.40
